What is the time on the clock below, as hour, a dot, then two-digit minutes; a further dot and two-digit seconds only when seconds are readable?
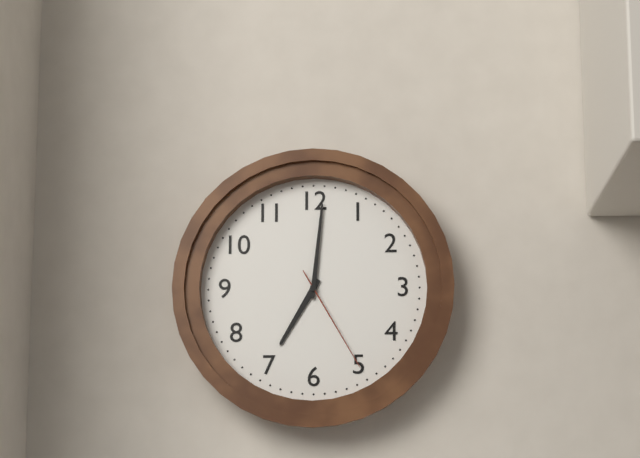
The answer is 7.01.25
